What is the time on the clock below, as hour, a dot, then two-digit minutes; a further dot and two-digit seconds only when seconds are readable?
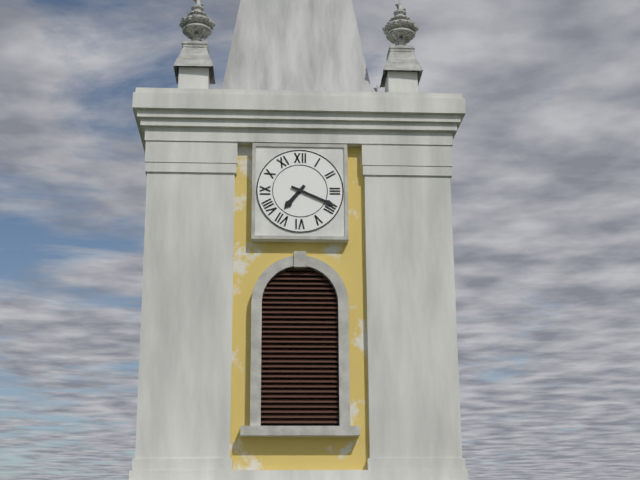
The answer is 7.19
